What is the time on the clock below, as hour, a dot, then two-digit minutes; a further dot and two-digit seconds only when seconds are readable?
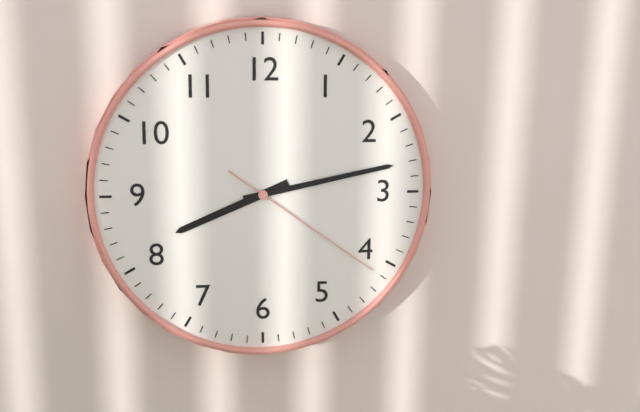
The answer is 8.13.21
